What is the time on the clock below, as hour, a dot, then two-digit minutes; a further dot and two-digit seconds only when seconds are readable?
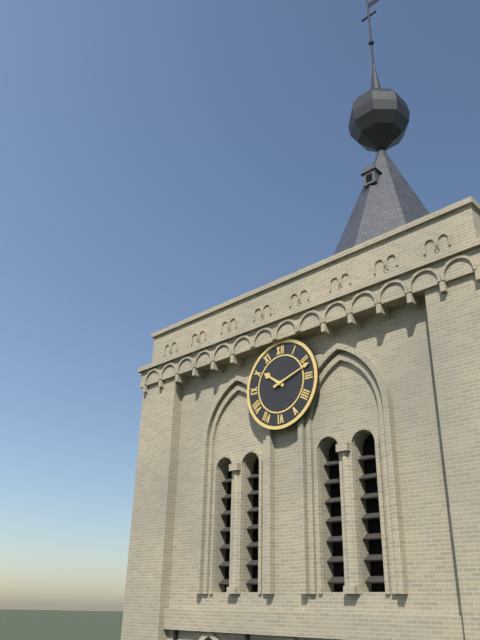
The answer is 10.12
